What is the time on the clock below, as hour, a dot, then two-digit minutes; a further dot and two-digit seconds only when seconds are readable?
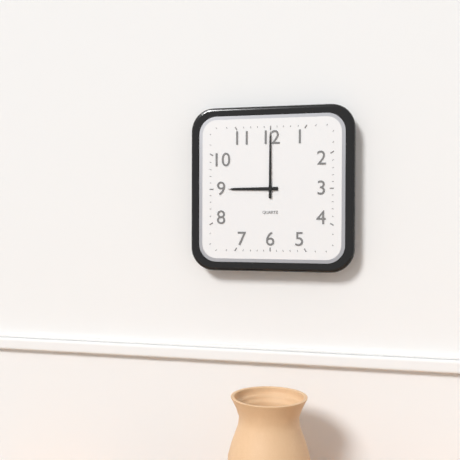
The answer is 9.00
